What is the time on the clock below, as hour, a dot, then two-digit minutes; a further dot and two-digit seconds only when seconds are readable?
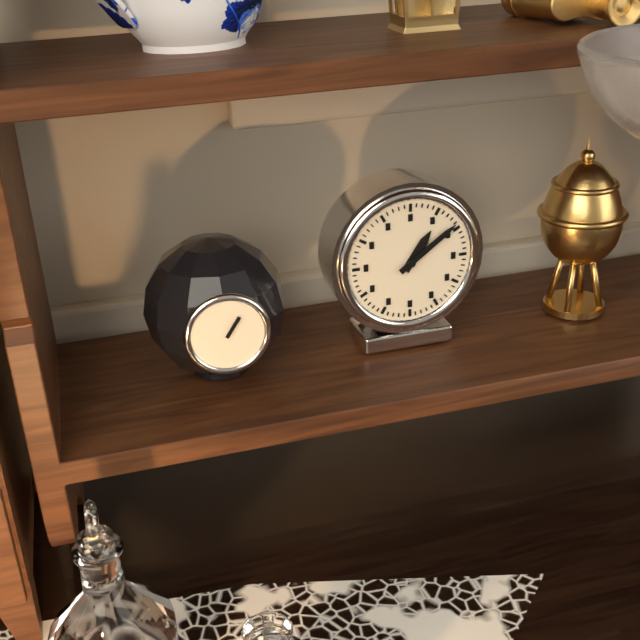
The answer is 1.09
